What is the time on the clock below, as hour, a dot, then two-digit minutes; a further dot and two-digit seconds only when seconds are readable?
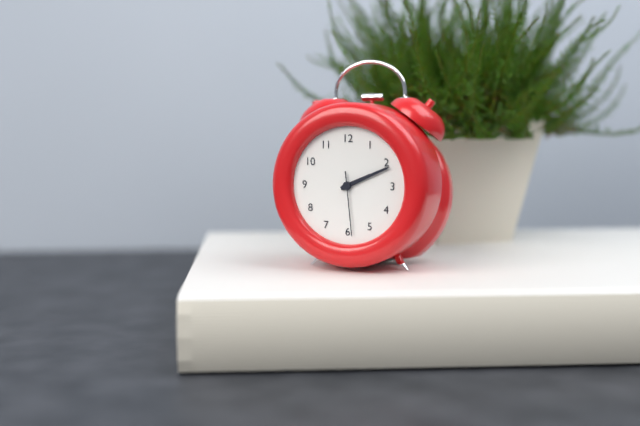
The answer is 2.11.29
